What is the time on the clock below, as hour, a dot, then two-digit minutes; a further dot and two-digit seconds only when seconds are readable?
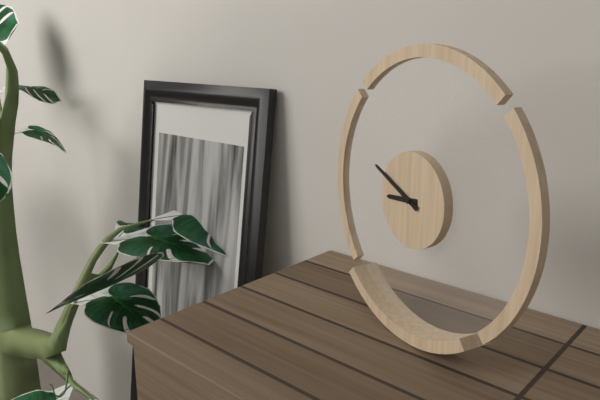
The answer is 8.49
